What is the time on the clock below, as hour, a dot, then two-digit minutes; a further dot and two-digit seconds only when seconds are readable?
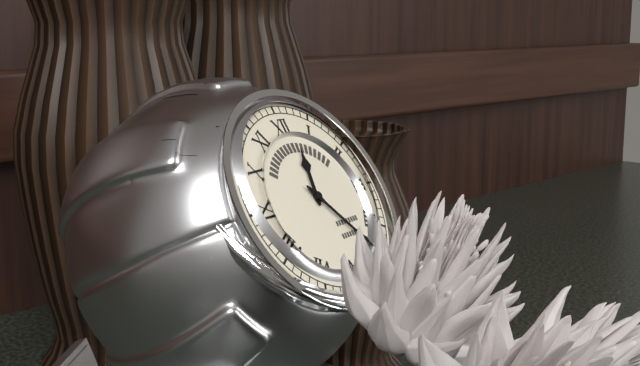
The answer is 12.24
